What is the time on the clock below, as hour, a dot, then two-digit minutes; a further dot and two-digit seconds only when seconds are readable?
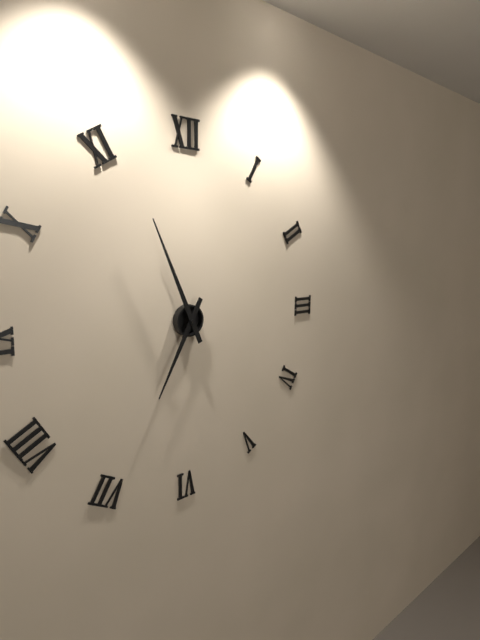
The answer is 6.56
